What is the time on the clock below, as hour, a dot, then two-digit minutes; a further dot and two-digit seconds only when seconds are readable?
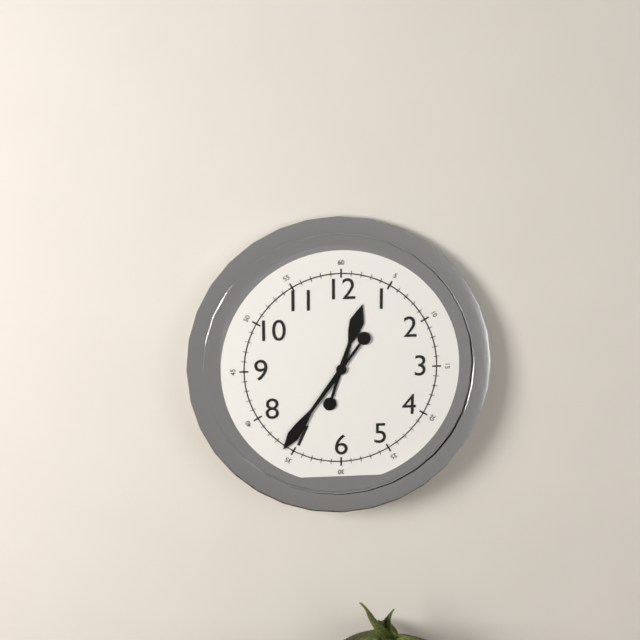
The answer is 12.36
